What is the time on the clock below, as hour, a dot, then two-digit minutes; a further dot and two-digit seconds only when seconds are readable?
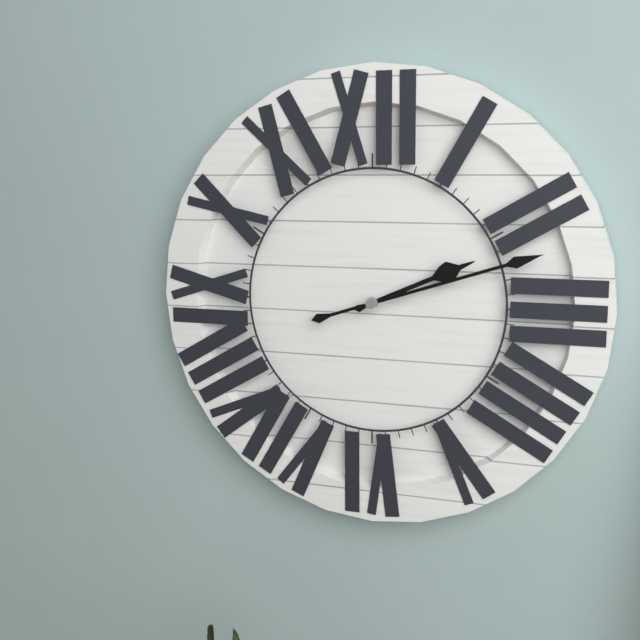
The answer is 2.12
